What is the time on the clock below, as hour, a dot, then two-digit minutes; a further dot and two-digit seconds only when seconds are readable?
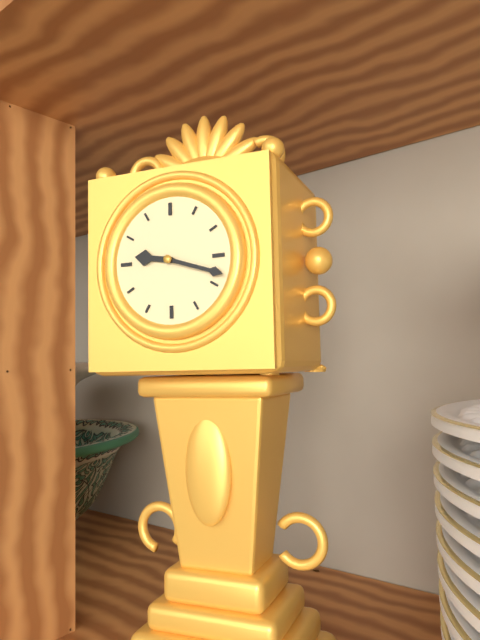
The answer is 9.18
